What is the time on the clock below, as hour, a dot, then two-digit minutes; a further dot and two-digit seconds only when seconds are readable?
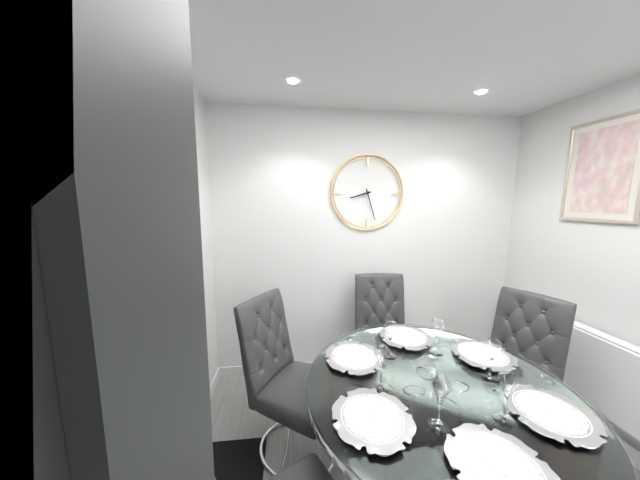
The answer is 8.27
